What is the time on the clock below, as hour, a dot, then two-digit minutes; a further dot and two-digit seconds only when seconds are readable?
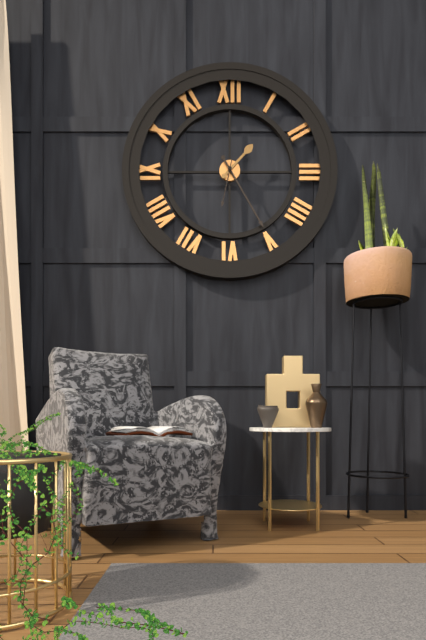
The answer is 1.25
